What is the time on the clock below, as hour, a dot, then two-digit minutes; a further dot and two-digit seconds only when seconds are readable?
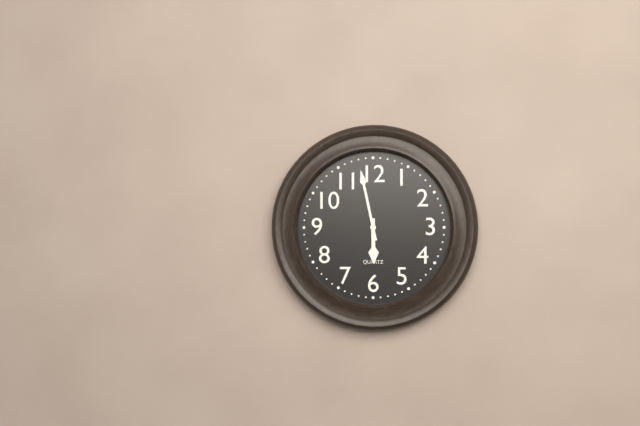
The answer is 5.58
